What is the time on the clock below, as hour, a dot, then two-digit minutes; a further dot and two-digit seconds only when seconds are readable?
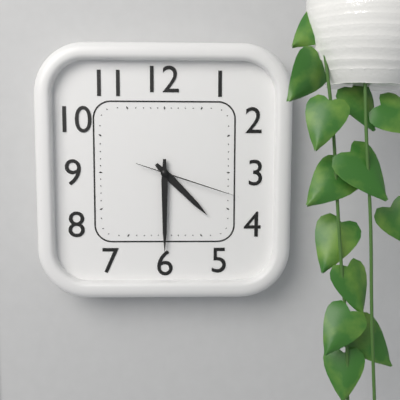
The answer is 4.30.18
